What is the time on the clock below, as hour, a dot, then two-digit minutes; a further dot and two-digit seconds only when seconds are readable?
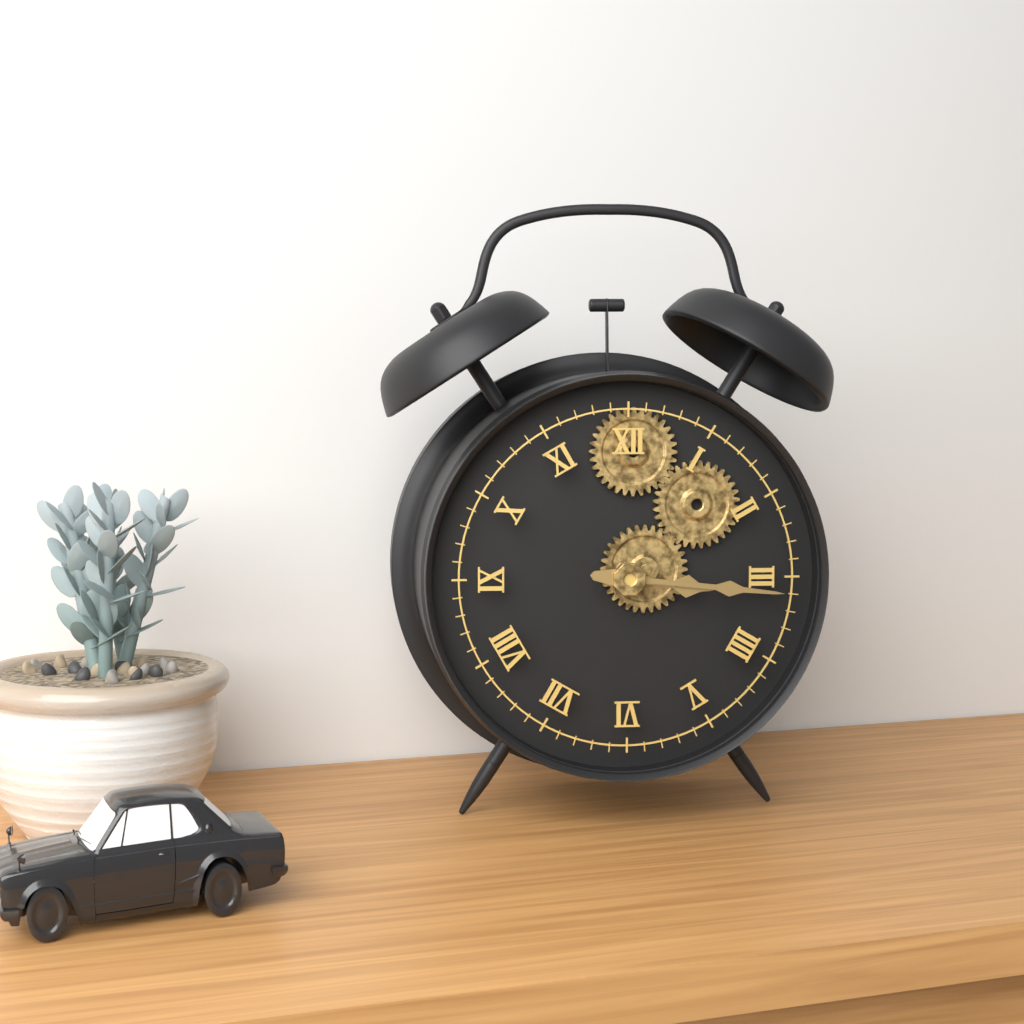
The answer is 3.16
